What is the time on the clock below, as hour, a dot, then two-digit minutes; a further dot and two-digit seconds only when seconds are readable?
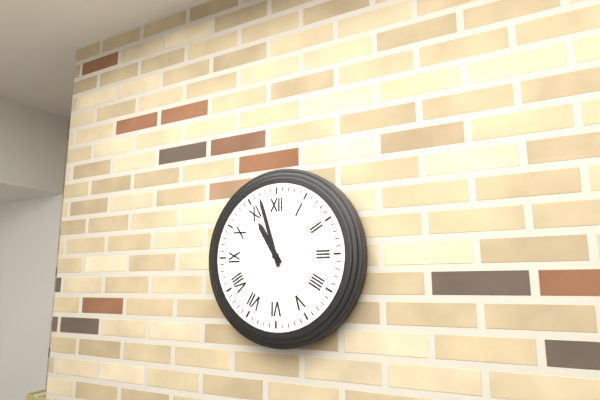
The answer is 10.57
